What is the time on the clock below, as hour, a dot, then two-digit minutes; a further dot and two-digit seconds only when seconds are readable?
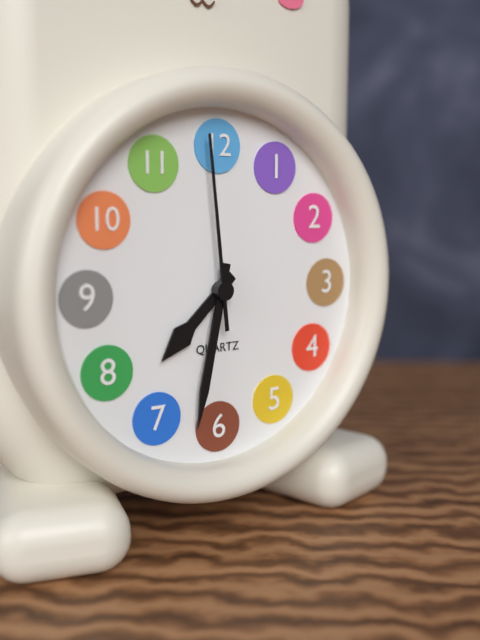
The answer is 7.32.59
